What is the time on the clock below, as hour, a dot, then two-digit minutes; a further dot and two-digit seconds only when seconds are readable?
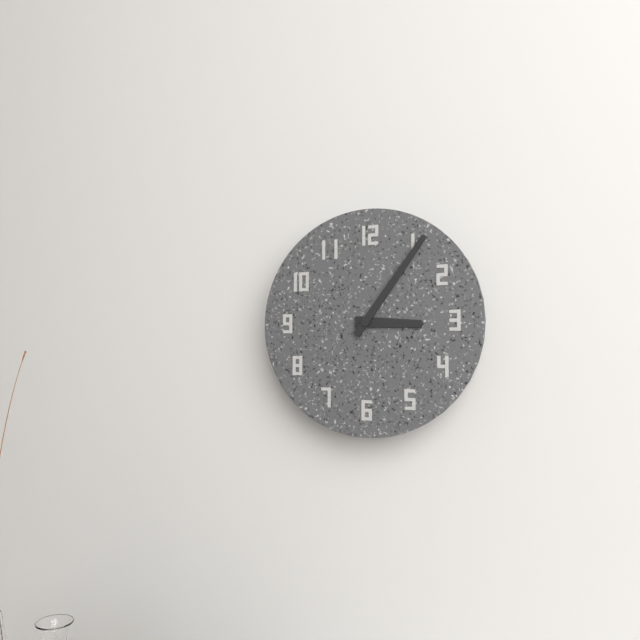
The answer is 3.06
